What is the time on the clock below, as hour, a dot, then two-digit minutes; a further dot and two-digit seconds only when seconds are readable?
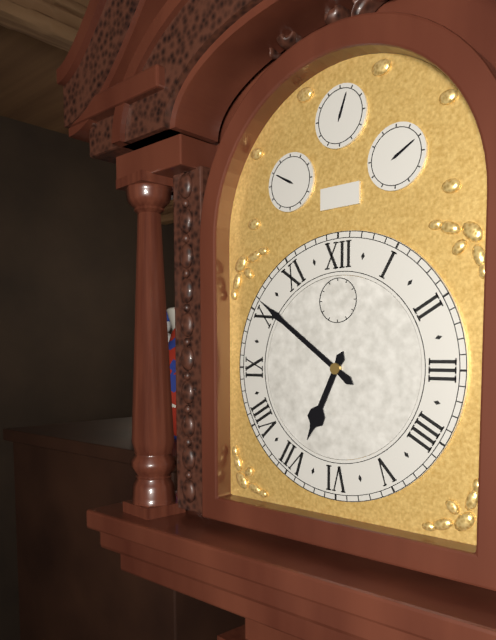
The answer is 6.51
